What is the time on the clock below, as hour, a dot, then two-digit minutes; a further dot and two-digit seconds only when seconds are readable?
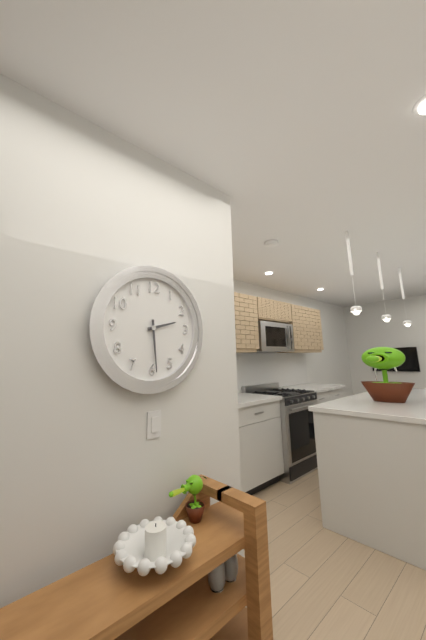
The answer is 2.29
